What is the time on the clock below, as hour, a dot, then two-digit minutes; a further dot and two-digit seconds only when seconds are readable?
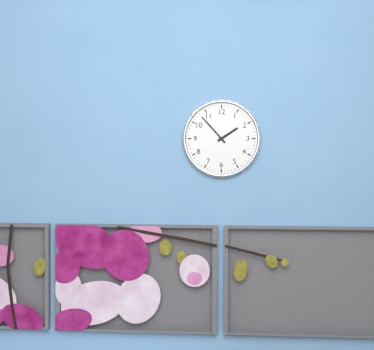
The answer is 1.53
